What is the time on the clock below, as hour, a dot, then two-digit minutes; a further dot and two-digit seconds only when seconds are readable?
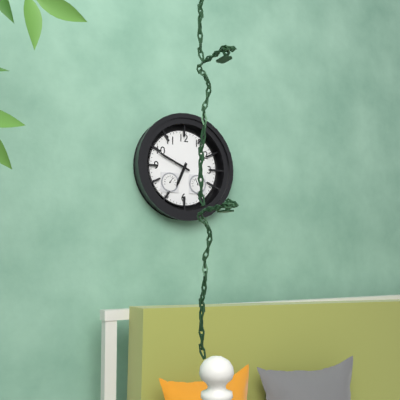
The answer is 6.49
